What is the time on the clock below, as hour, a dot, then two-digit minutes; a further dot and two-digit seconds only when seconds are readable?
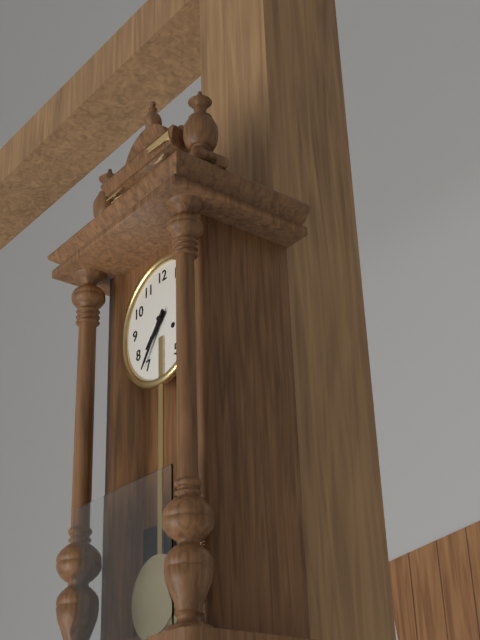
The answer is 7.36
